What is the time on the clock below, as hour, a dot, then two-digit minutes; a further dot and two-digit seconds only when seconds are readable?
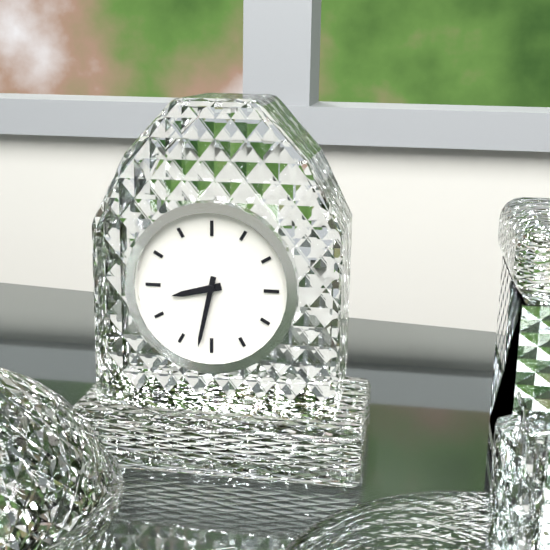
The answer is 8.32
